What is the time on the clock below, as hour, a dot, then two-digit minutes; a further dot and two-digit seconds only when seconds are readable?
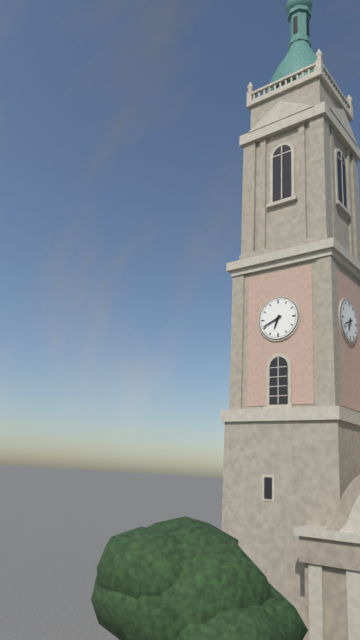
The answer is 6.41
